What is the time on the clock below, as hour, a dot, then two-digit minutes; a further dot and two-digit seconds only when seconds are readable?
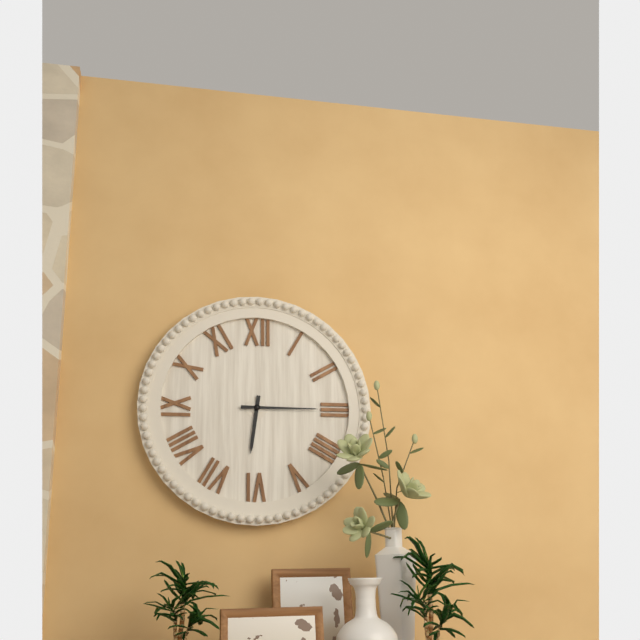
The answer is 6.15
